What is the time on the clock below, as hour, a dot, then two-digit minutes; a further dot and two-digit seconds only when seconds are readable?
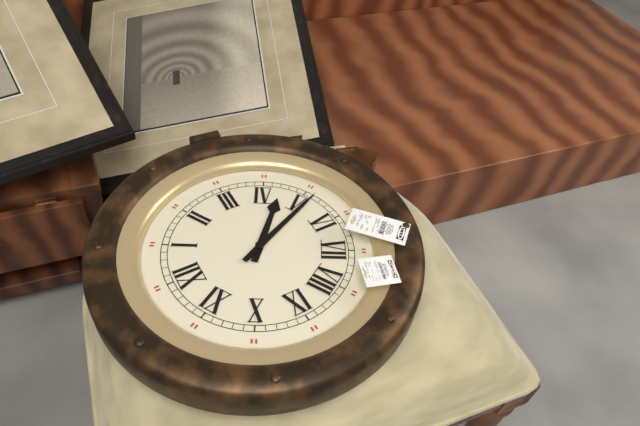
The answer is 4.26
